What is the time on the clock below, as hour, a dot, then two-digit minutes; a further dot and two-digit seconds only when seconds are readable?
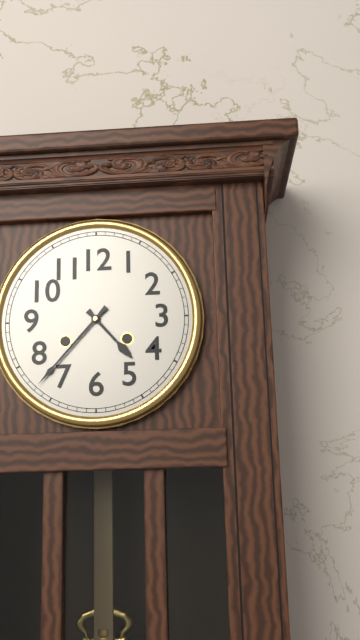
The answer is 4.37
